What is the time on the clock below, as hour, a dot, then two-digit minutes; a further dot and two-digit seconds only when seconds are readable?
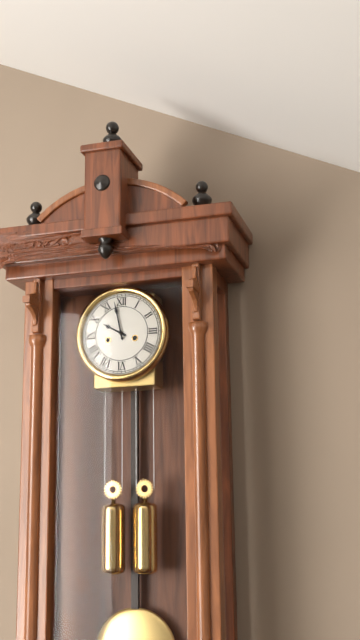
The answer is 9.58
